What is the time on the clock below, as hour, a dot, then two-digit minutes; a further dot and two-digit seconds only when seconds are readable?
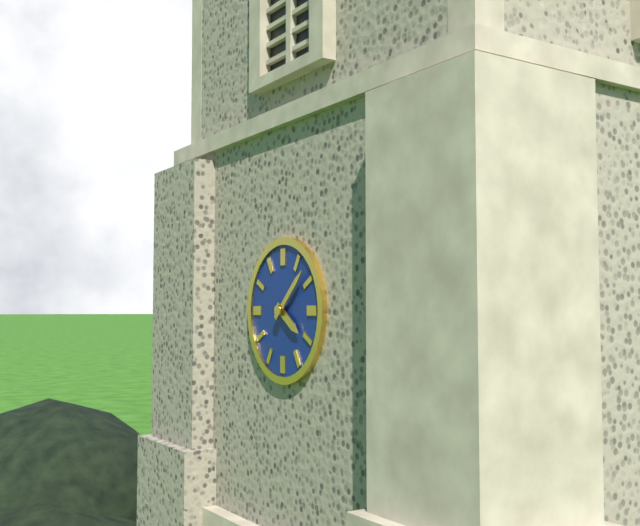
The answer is 4.08
